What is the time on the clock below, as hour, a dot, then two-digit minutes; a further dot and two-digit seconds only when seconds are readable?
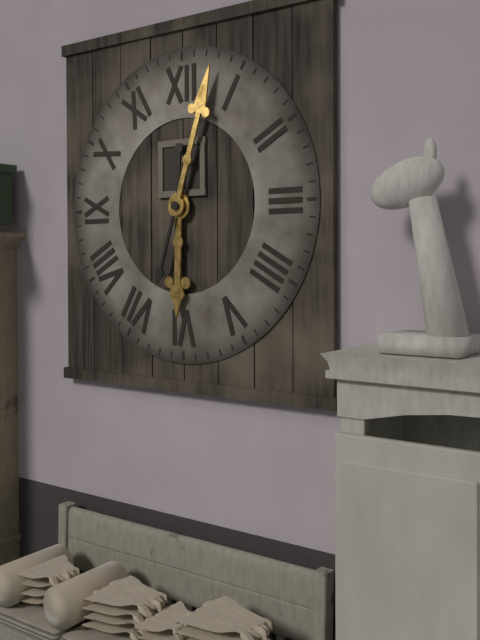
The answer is 6.03
